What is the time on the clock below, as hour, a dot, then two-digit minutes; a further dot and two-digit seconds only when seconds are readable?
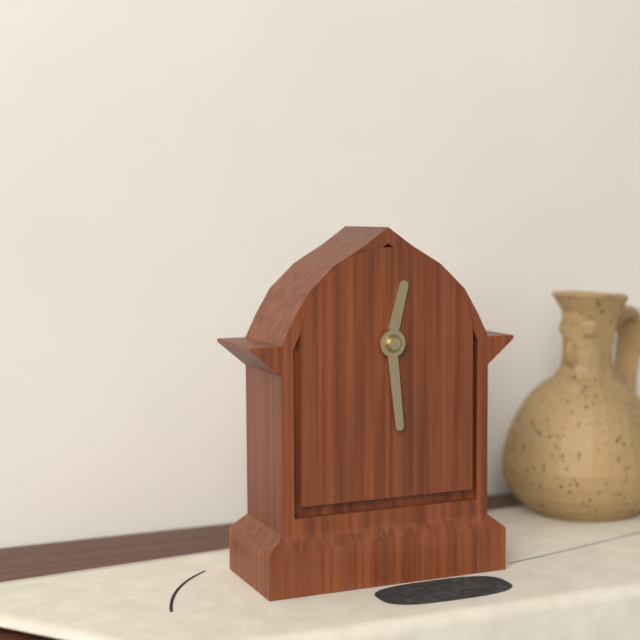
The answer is 12.29
